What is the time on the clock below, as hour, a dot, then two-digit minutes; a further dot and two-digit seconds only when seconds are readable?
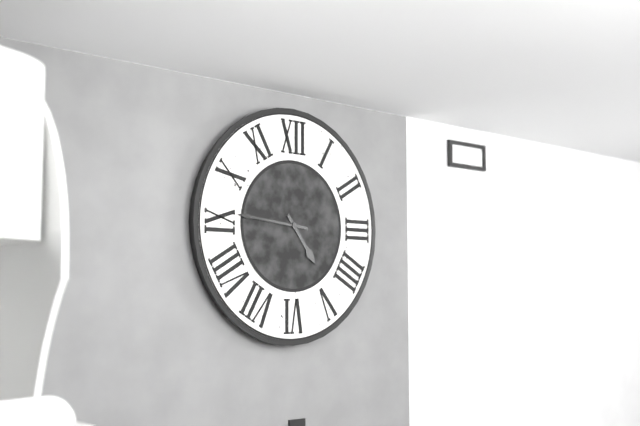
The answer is 4.46
